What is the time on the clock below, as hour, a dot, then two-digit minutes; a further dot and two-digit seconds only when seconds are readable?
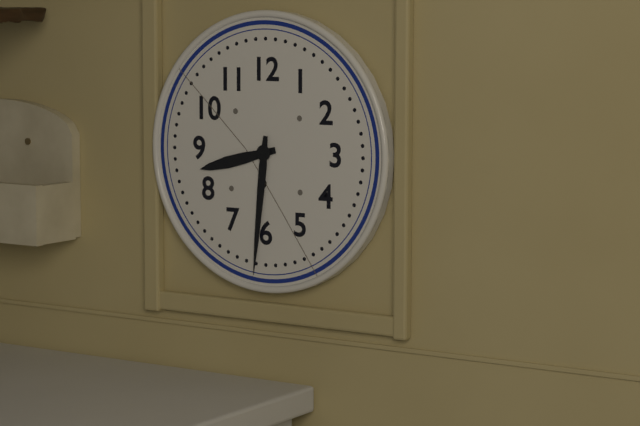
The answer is 8.31
